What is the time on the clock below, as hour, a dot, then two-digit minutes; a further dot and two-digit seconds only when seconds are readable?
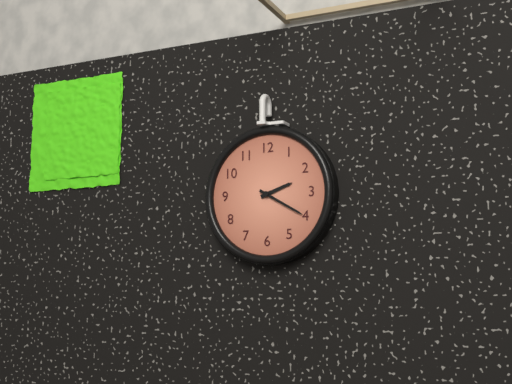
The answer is 2.20
